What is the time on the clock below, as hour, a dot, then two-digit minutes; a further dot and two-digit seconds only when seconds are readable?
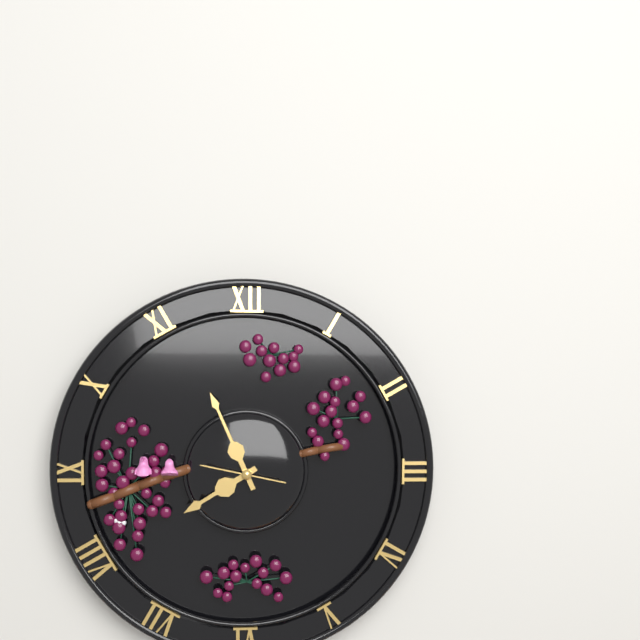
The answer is 7.56.47
